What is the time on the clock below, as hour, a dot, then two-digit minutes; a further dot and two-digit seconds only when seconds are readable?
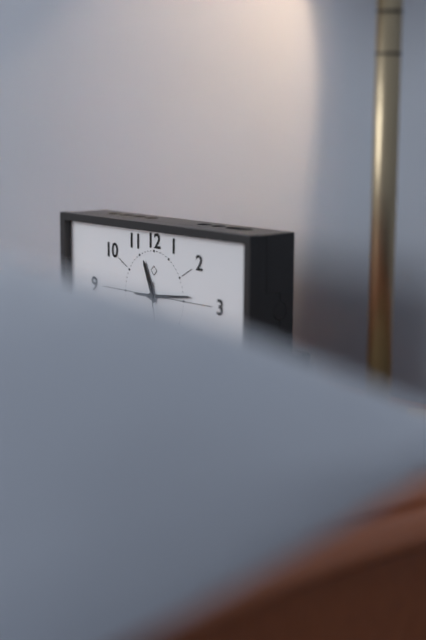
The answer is 11.14
